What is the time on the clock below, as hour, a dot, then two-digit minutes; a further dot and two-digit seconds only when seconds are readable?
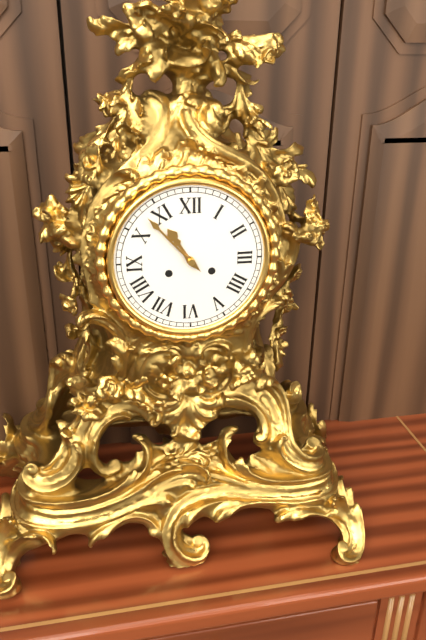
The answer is 10.53
